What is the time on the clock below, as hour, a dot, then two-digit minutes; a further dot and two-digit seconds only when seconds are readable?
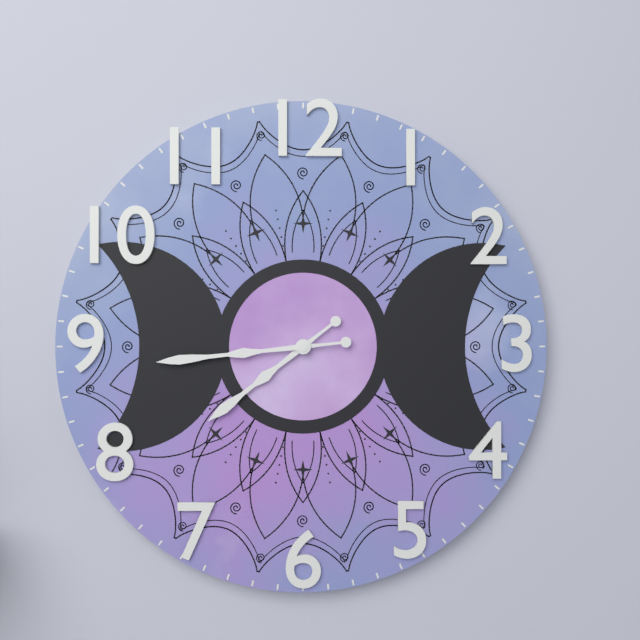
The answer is 7.44
